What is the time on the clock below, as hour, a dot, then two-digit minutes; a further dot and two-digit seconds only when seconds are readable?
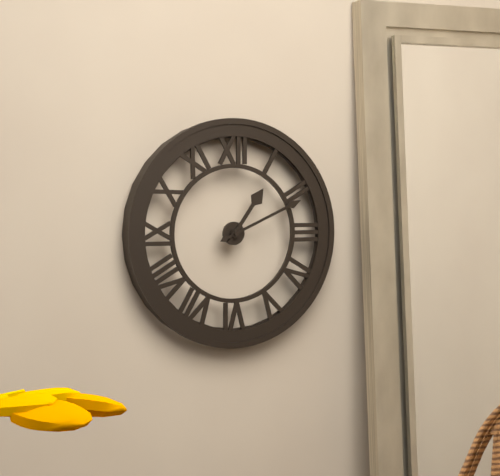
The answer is 1.11
